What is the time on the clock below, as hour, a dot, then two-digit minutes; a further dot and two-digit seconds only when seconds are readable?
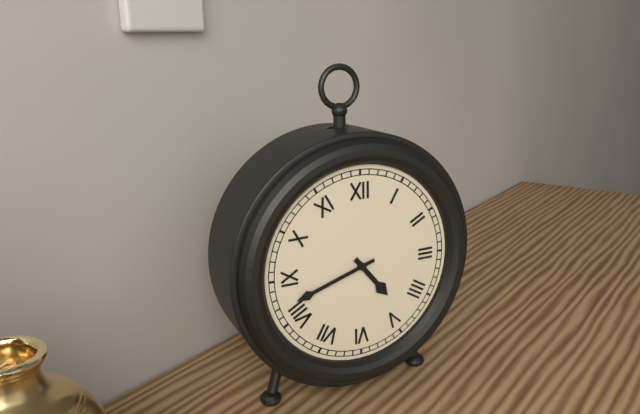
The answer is 4.42
